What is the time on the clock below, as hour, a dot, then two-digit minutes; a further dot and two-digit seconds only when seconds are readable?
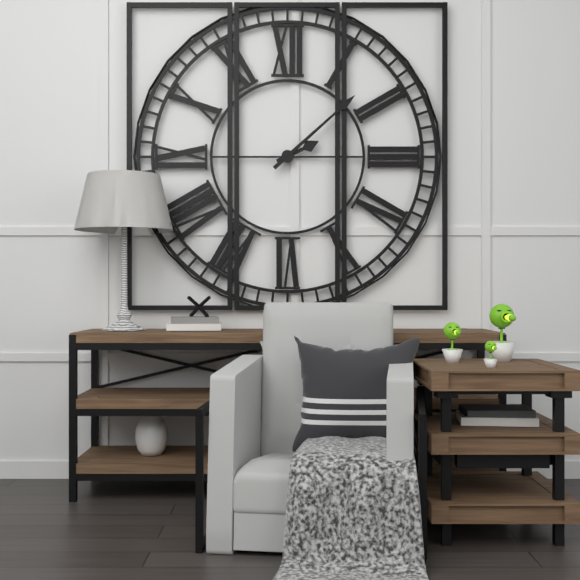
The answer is 2.08
